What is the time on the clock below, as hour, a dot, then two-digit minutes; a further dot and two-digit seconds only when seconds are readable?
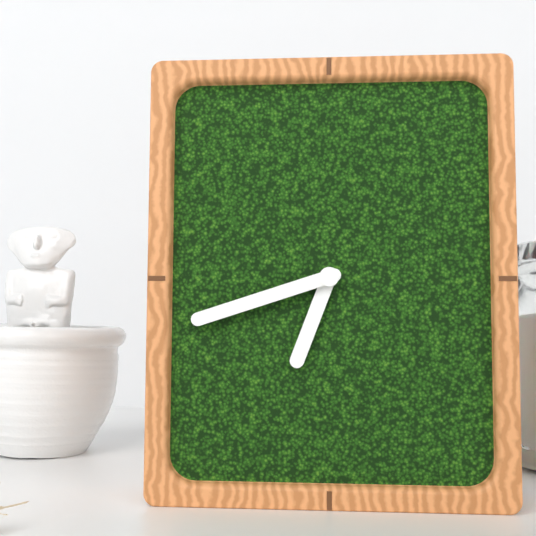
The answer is 6.42
